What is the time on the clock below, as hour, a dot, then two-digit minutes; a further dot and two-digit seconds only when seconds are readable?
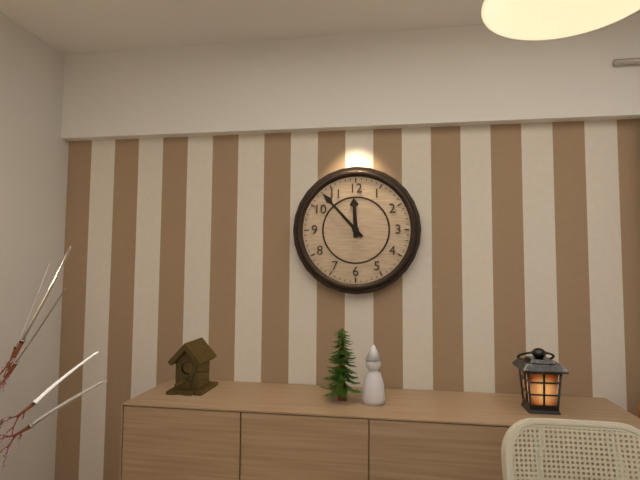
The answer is 11.53
